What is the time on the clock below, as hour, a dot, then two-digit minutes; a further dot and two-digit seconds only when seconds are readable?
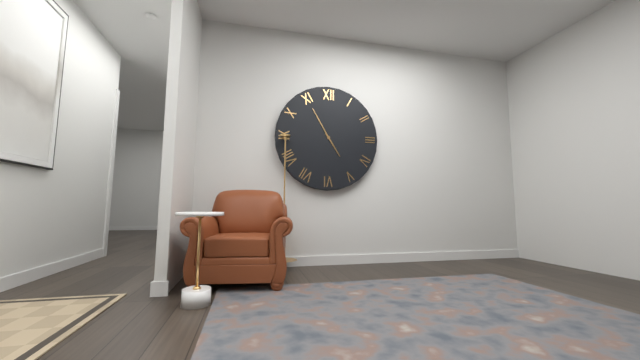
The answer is 4.55
